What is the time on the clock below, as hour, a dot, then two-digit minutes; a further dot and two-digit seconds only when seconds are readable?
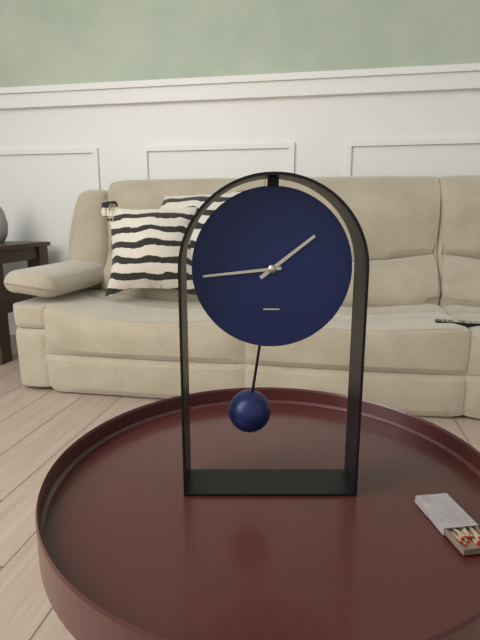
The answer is 1.44
